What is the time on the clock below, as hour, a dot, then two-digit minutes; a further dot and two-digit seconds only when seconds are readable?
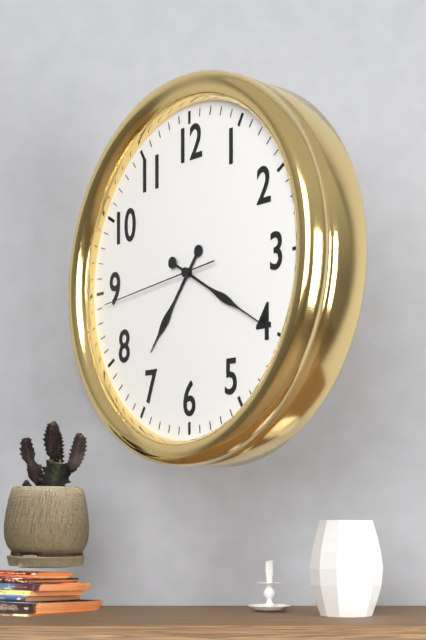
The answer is 7.20.44
